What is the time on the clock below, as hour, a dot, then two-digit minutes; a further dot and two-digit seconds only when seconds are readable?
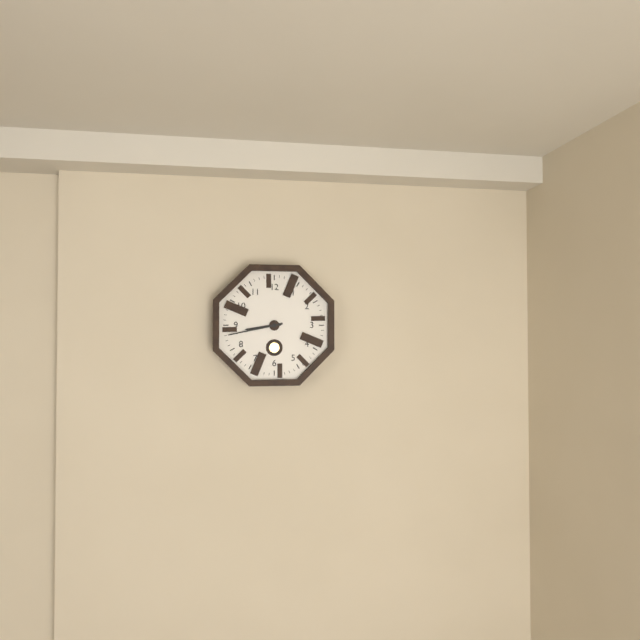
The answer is 8.43
